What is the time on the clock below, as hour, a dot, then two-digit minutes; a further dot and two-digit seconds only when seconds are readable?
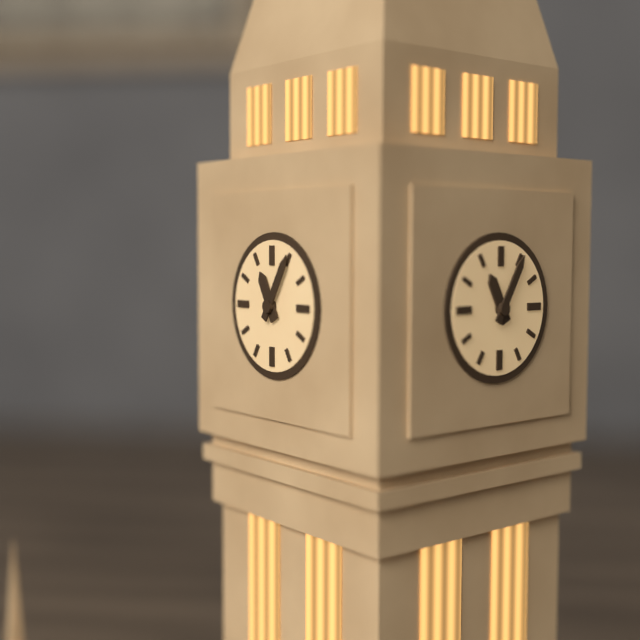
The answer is 11.05
